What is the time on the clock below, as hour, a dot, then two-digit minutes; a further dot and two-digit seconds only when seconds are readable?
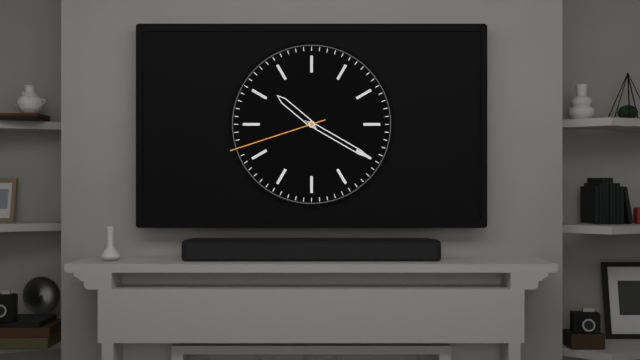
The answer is 10.20.42
